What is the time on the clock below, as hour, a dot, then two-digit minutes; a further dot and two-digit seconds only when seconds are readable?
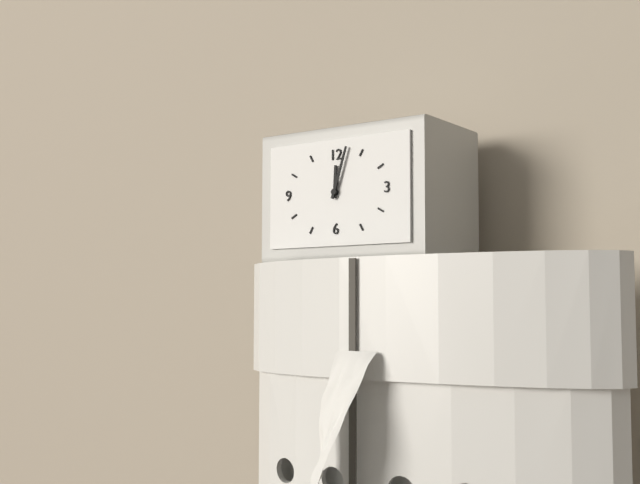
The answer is 12.03
